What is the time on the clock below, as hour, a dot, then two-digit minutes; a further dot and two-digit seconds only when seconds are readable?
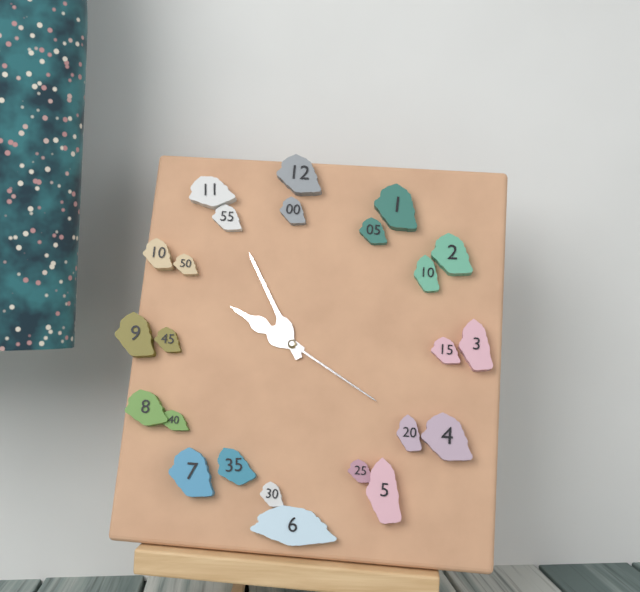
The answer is 9.55.20
